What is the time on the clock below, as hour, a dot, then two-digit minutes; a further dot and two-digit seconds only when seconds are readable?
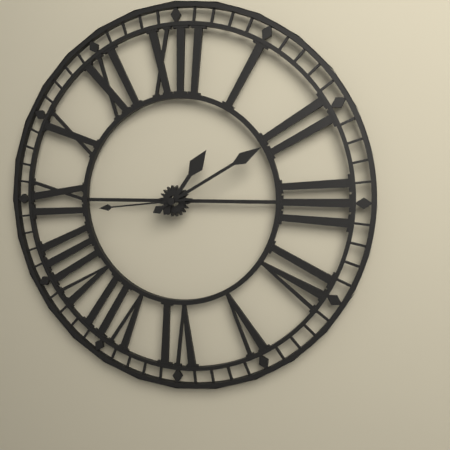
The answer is 1.10.44
